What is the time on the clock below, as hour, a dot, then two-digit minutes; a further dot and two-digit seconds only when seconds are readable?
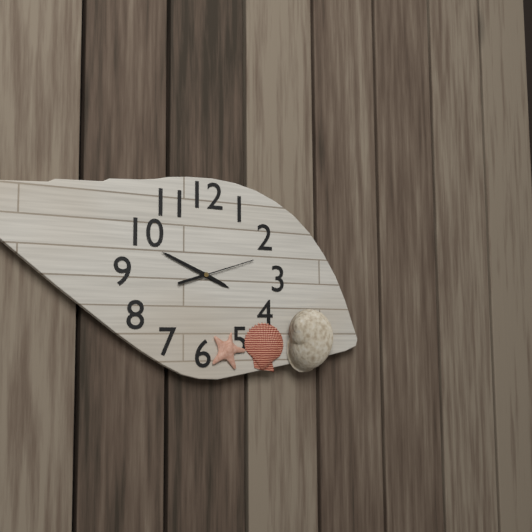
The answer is 3.49.12
